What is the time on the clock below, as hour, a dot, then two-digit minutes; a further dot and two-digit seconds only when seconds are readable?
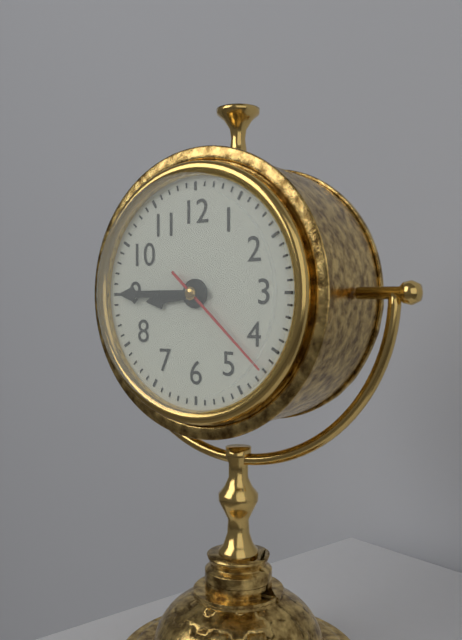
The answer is 8.45.22
